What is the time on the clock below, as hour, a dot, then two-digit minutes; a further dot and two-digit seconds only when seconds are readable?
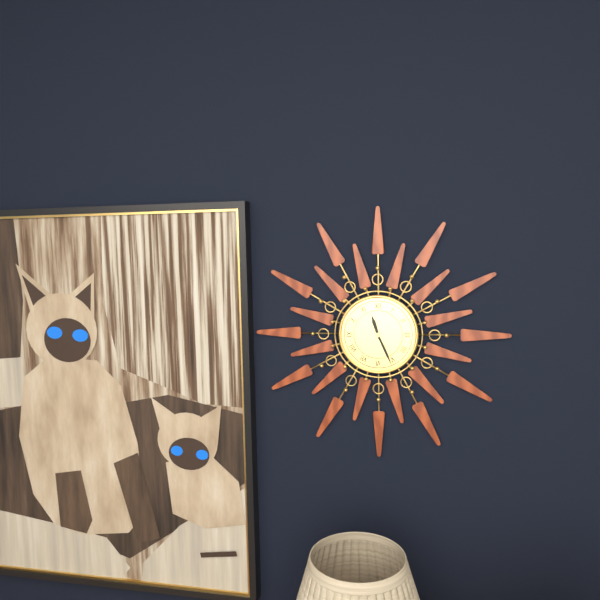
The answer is 11.26
